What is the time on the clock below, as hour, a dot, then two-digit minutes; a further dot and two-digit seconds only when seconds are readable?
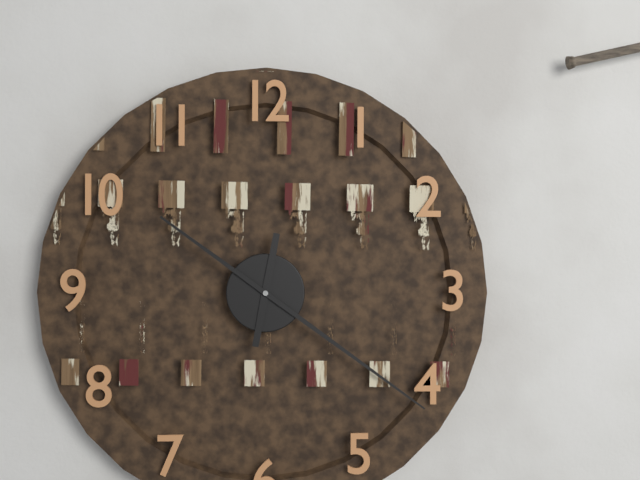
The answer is 12.21
